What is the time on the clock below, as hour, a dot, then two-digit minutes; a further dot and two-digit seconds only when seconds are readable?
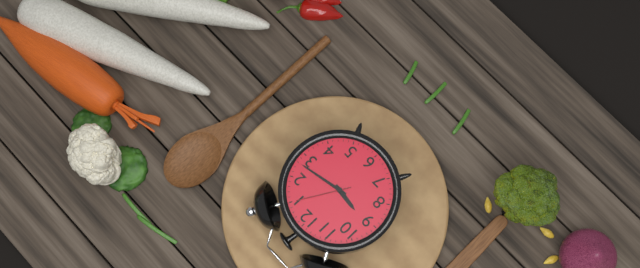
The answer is 9.13.05
